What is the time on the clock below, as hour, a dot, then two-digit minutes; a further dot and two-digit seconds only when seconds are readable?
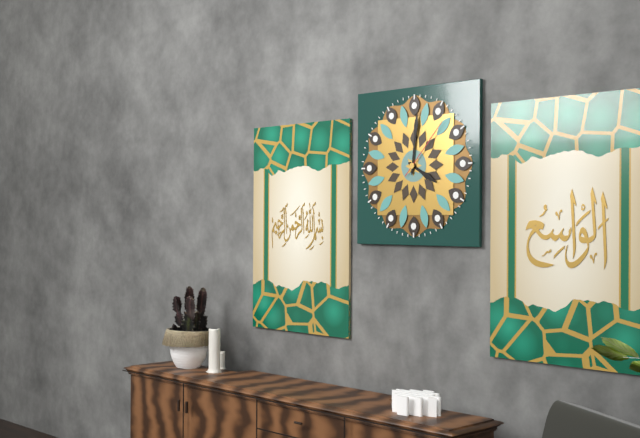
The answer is 4.01.07
